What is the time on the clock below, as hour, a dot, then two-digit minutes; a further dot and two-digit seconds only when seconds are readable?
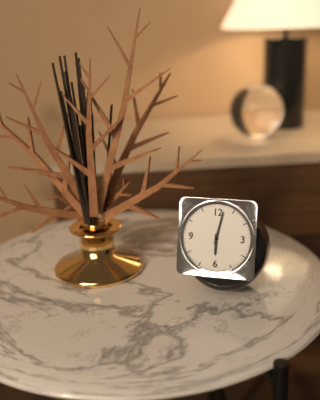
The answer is 6.02
